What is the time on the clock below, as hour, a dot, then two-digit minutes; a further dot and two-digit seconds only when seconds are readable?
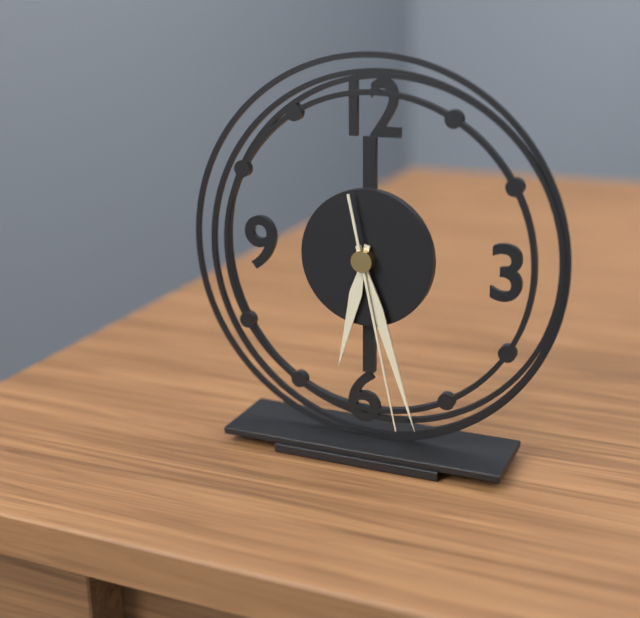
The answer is 6.27.28
